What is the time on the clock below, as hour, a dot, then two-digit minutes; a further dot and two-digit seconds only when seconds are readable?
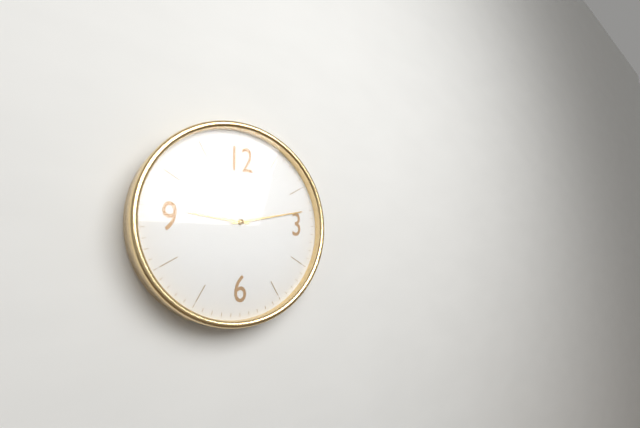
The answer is 9.13
